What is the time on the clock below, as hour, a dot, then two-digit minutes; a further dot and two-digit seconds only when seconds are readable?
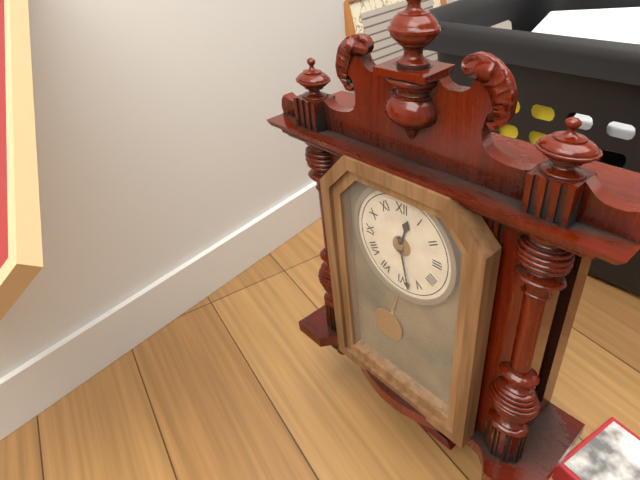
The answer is 12.28
